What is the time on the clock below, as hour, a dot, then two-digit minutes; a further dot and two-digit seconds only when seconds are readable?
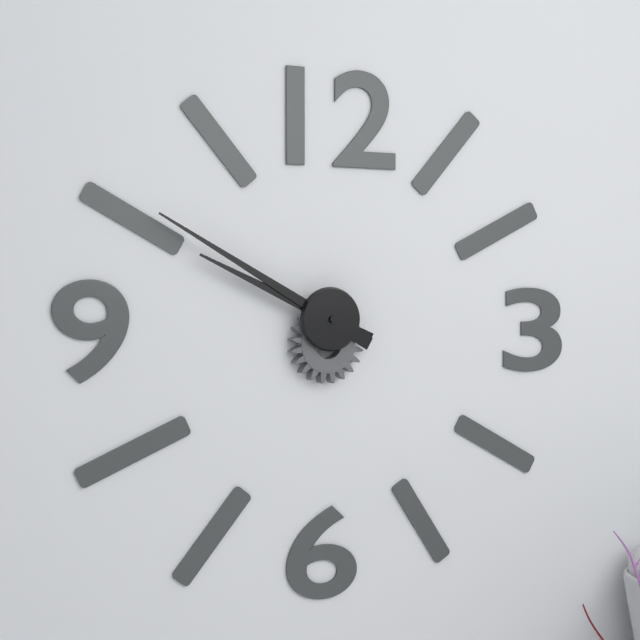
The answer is 9.50
